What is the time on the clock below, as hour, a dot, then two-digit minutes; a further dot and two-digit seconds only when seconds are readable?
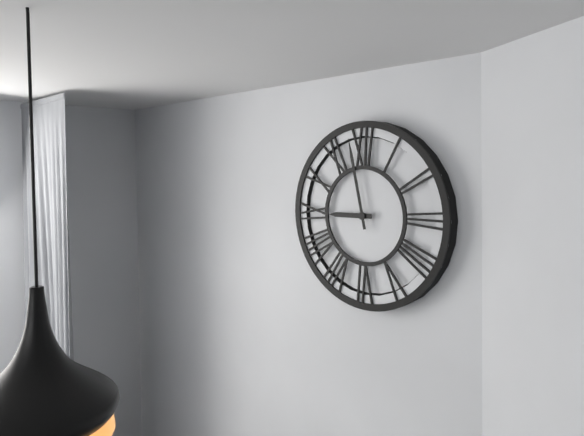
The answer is 8.58
